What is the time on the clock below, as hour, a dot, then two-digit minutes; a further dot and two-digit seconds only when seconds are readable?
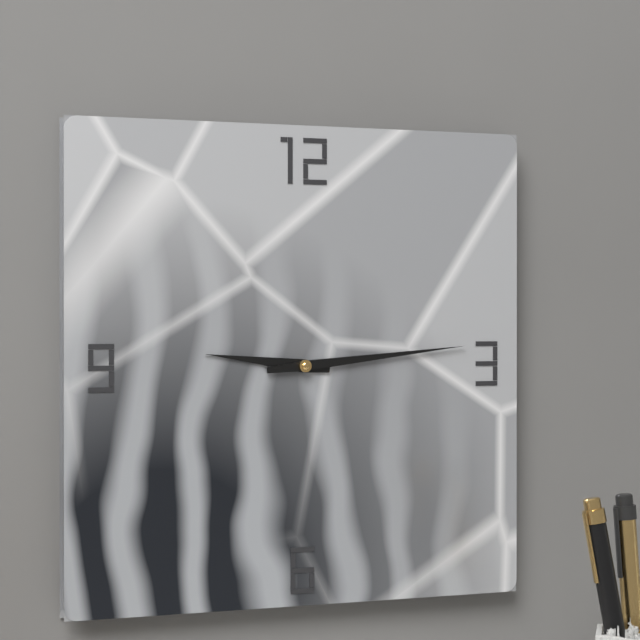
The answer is 9.14
